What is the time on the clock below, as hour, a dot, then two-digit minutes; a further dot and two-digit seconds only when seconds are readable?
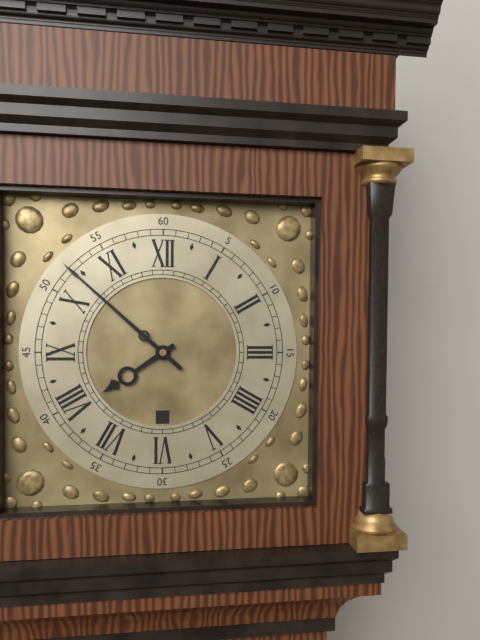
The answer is 7.52
